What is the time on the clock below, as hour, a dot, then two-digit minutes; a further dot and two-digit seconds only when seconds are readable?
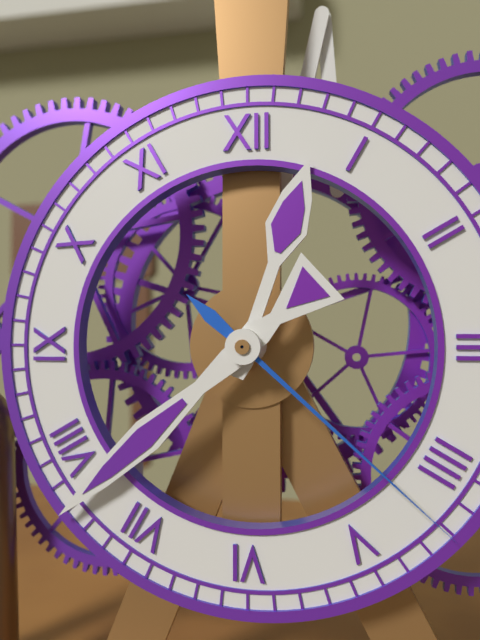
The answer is 12.38.22
